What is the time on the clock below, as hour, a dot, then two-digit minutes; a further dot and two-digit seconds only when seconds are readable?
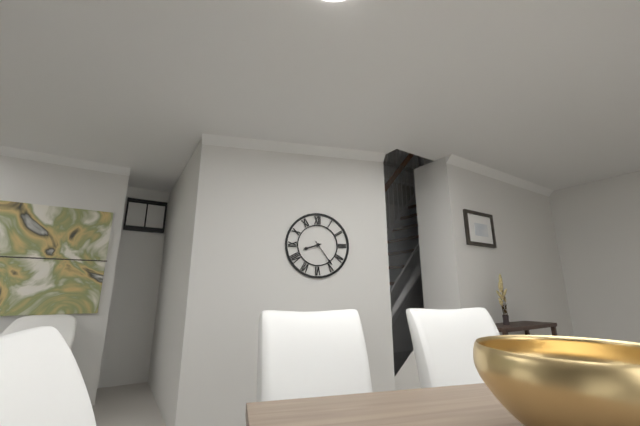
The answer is 8.24
